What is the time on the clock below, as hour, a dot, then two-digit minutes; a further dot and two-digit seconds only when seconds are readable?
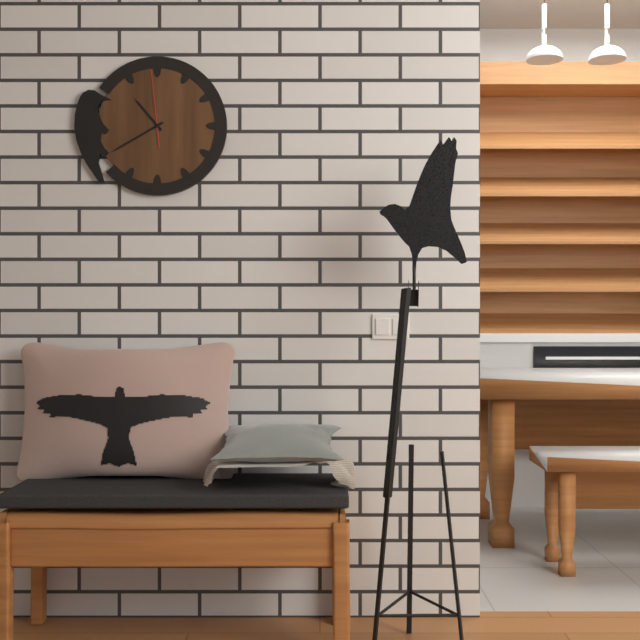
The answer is 10.40.59
